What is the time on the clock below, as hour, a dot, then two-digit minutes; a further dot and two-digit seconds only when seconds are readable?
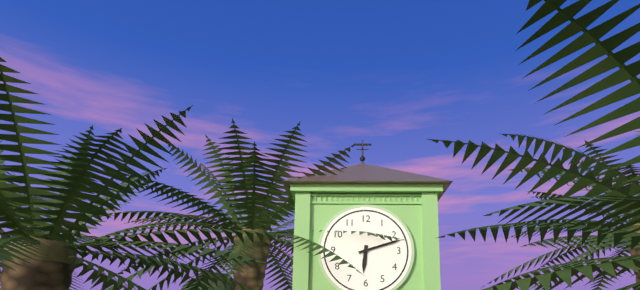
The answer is 6.12
